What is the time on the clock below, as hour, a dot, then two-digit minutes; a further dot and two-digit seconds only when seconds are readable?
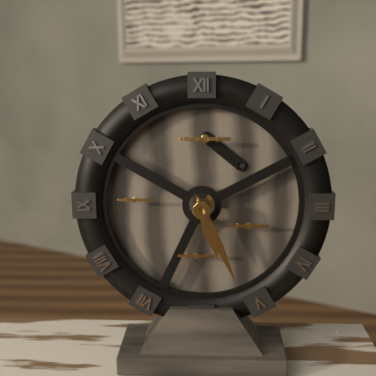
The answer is 5.26
